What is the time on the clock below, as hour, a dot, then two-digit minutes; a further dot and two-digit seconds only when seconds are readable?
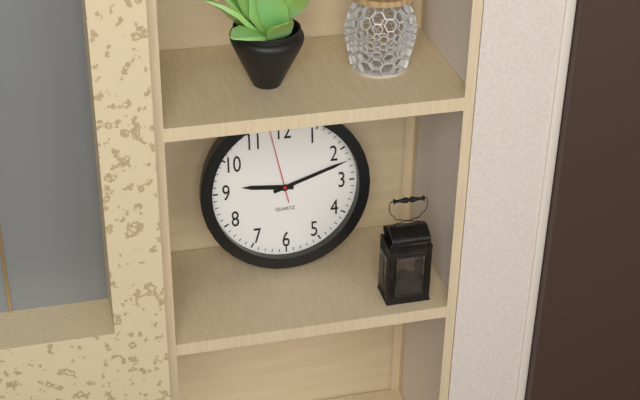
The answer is 9.12.58
